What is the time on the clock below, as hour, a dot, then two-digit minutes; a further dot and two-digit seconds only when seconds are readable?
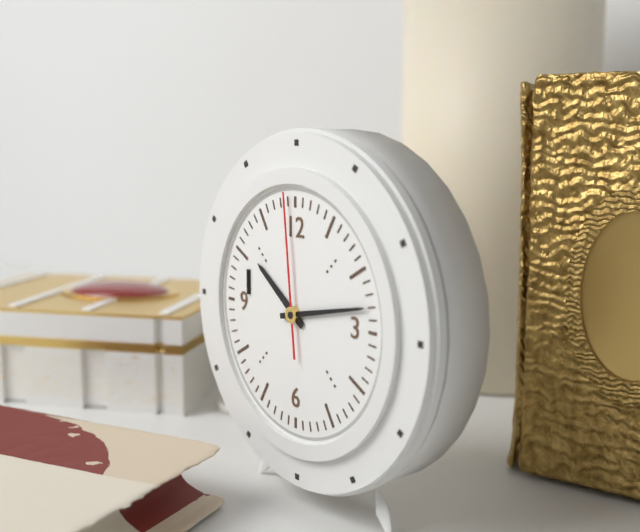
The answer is 10.13.59
